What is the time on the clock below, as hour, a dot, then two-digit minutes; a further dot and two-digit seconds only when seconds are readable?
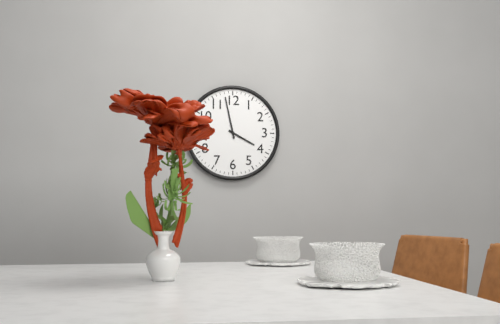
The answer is 3.58
